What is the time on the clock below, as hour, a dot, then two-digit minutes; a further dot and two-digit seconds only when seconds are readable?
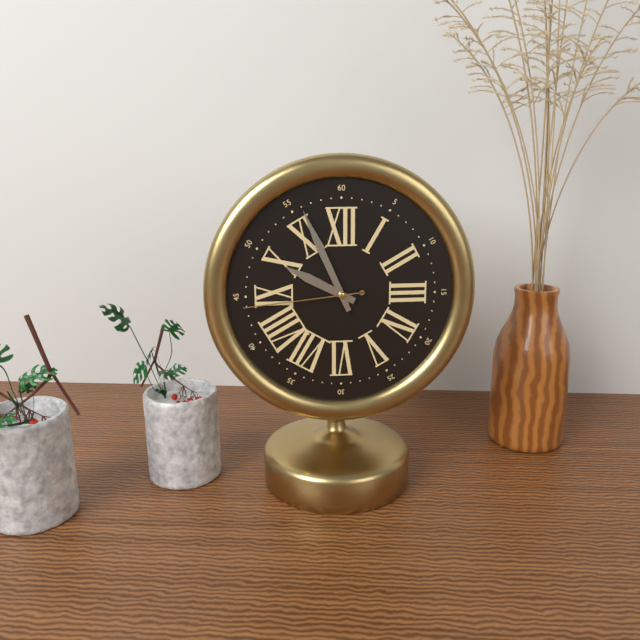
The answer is 9.56.44
